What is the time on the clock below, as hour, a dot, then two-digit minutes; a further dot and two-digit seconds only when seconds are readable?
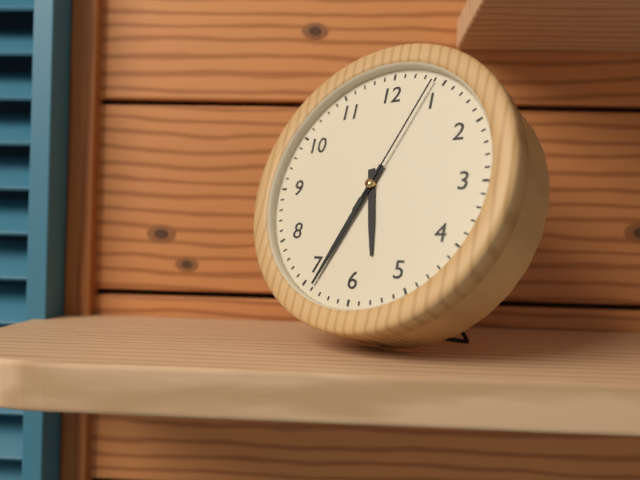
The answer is 5.34.04
